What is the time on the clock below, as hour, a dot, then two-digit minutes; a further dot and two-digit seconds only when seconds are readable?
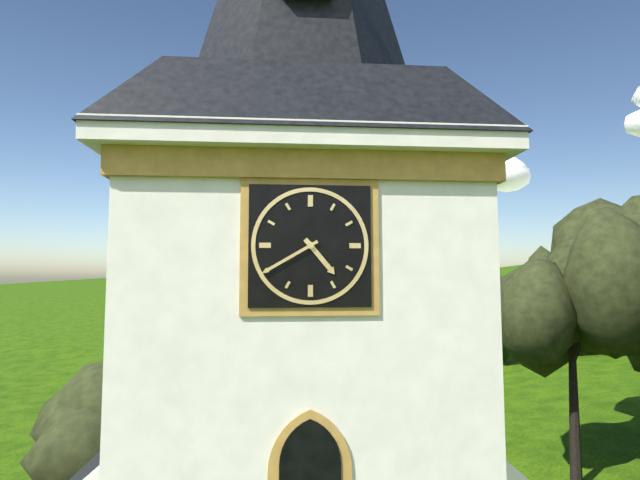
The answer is 4.40
